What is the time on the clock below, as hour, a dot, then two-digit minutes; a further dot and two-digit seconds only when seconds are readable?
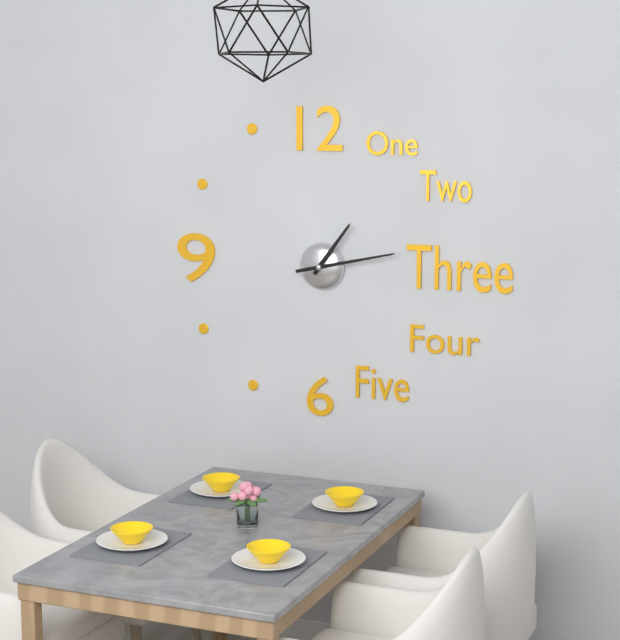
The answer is 1.13
